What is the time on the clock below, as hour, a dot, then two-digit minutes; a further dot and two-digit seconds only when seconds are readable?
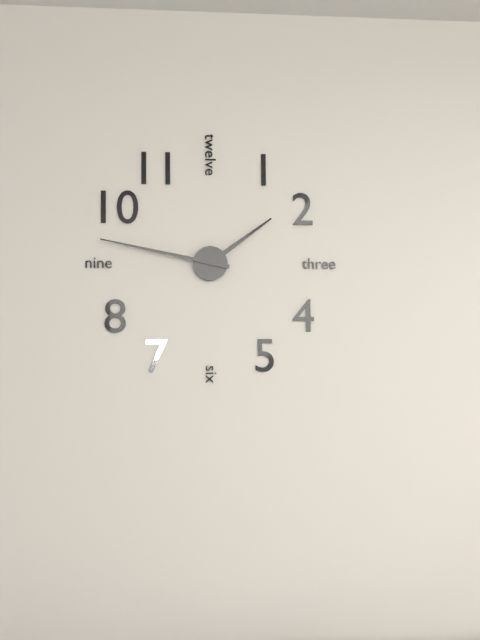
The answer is 1.47
